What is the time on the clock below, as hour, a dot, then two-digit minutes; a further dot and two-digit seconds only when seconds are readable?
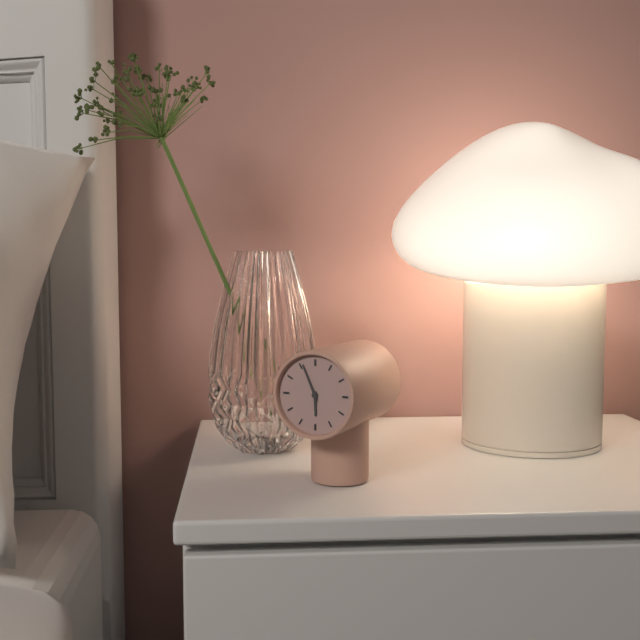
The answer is 5.56
